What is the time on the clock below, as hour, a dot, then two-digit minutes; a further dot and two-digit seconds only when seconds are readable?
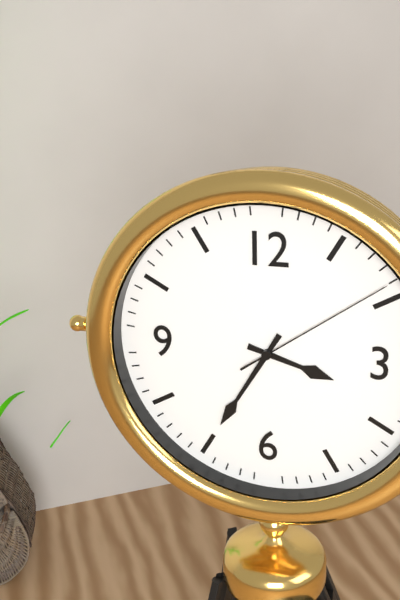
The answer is 3.35.09
